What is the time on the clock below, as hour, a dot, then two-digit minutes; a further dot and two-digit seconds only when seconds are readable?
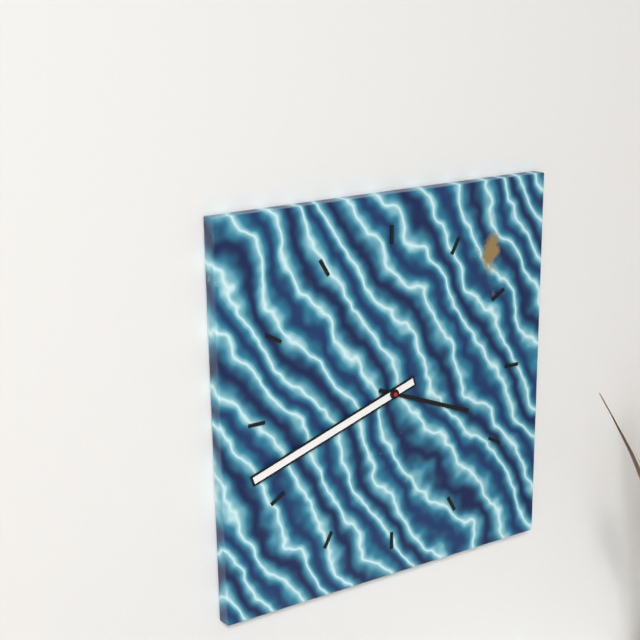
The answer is 3.42
